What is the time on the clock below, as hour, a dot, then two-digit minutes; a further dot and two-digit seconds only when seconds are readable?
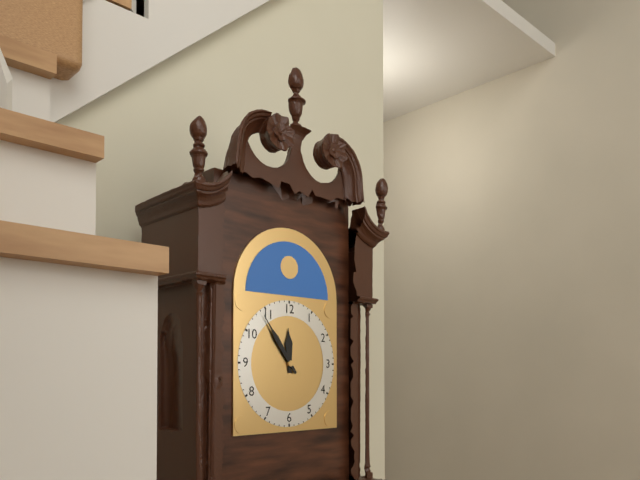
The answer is 11.54
